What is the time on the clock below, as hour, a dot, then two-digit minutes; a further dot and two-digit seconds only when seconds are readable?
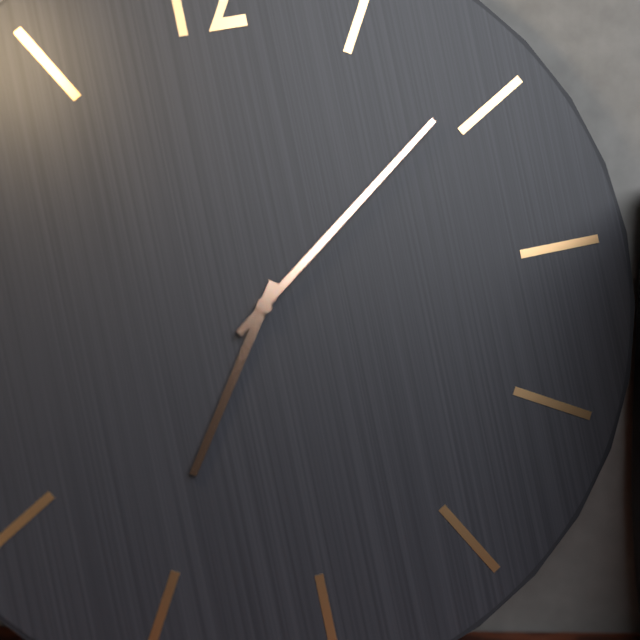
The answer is 7.09
